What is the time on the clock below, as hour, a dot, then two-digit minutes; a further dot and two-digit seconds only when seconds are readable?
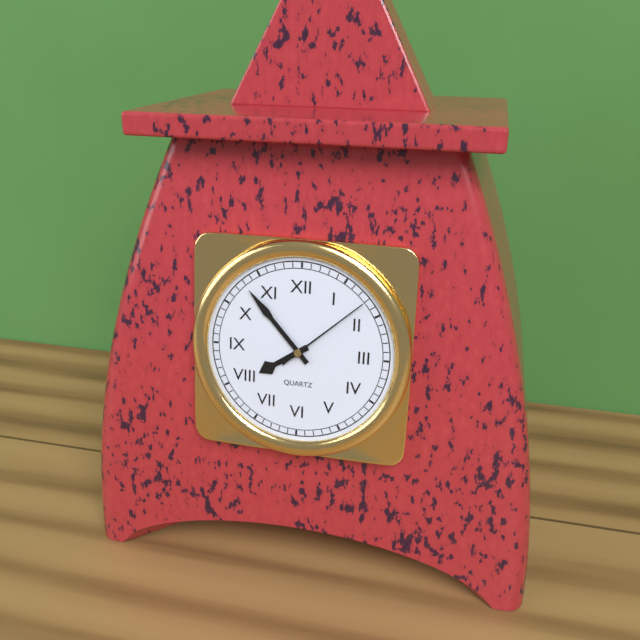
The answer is 7.53.08
